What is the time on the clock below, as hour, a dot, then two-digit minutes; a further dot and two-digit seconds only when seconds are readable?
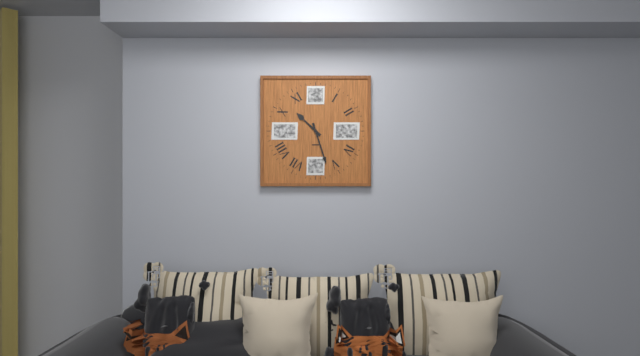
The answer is 10.27
